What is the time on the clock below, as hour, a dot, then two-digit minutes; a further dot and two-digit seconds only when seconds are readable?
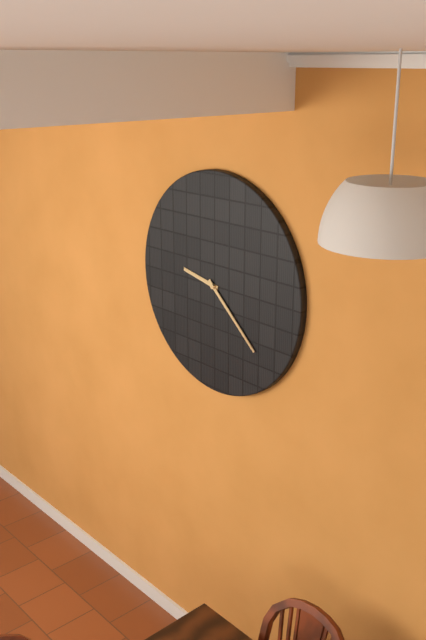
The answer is 9.22
